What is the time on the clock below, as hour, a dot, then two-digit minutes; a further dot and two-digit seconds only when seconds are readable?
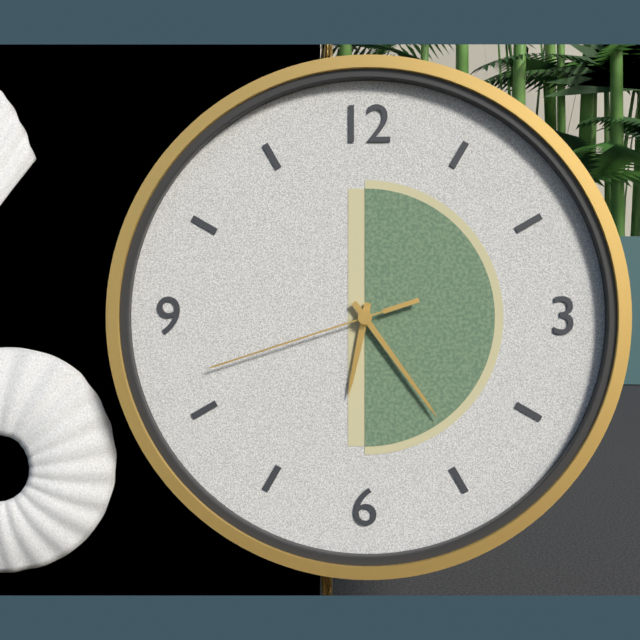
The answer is 6.24.42
